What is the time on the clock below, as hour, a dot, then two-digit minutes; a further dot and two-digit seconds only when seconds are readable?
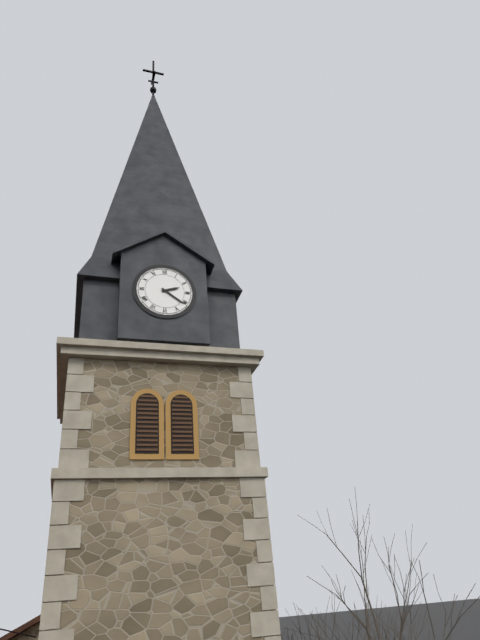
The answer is 2.21
